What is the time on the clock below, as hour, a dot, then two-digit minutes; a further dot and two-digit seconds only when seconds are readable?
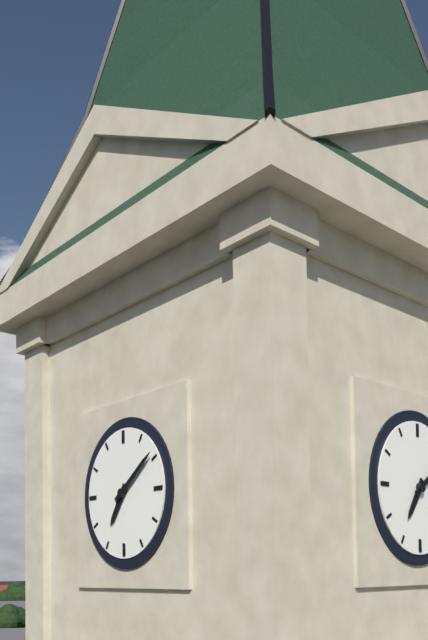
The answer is 7.09
